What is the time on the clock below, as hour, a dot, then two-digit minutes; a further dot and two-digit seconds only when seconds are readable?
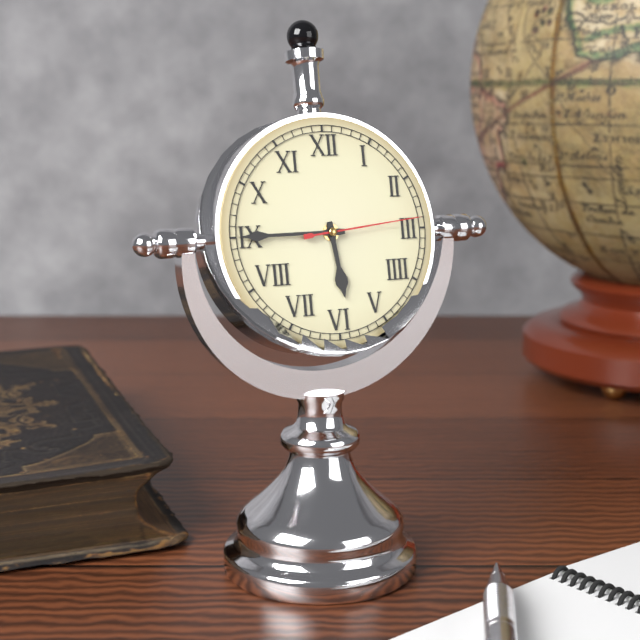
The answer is 5.45.14
